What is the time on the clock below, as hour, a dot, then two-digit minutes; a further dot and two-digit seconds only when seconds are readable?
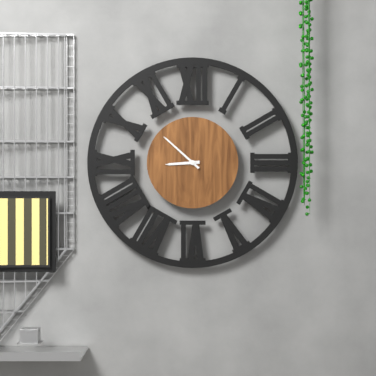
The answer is 8.52
